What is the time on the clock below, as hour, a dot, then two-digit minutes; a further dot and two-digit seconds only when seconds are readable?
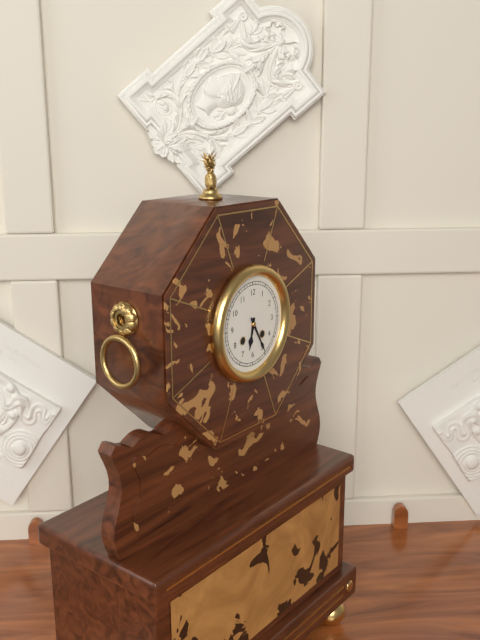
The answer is 6.25
